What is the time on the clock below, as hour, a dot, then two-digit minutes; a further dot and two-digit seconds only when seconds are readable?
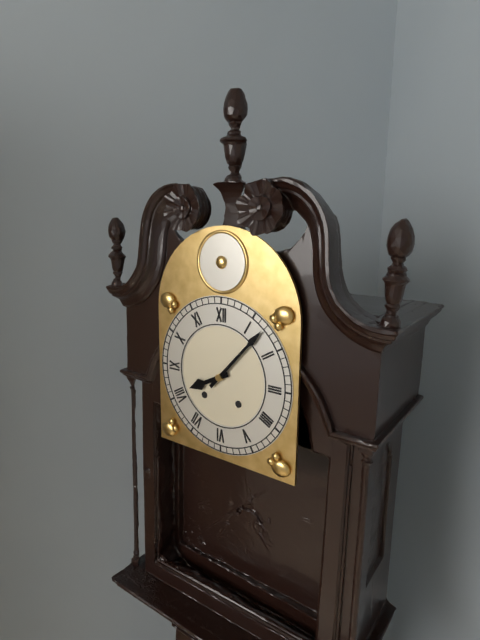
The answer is 8.07
